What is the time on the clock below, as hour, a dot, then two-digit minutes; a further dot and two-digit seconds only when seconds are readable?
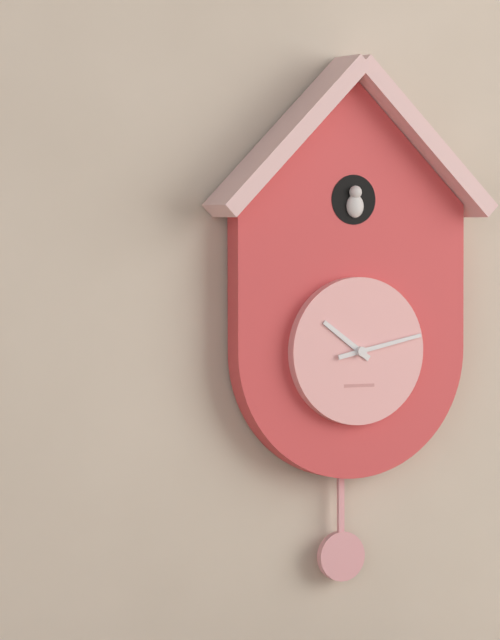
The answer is 10.13
